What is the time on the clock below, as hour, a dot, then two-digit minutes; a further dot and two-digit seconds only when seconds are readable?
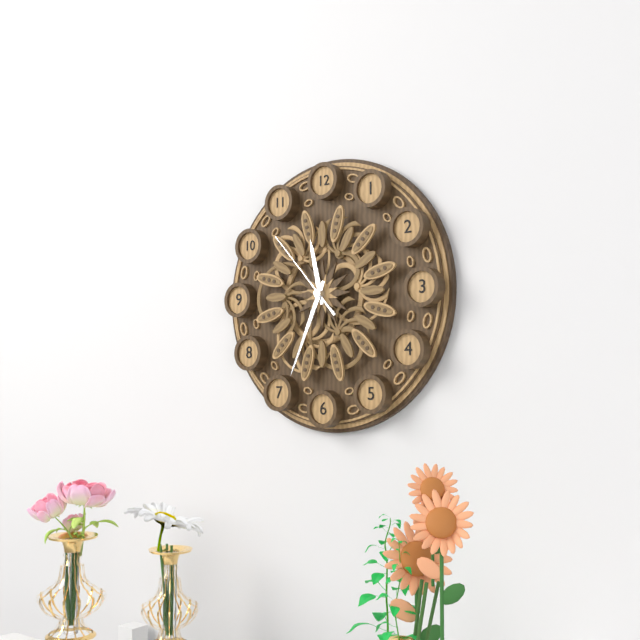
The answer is 11.34.53
